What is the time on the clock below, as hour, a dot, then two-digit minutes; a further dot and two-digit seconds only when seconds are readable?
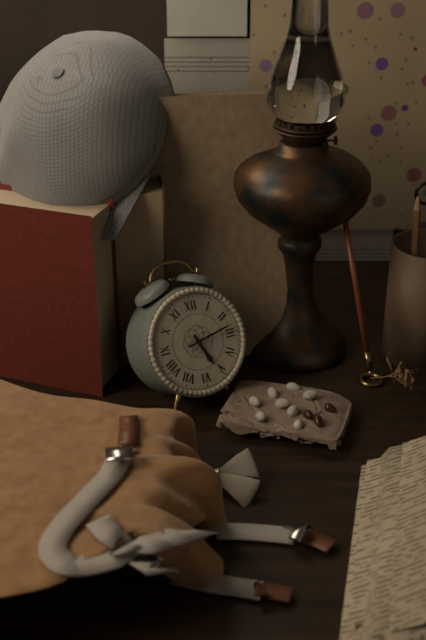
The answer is 5.13
